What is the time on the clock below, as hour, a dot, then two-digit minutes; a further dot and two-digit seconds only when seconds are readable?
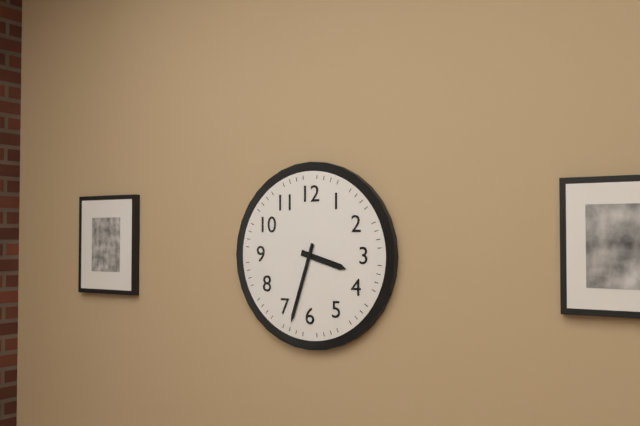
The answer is 3.33
